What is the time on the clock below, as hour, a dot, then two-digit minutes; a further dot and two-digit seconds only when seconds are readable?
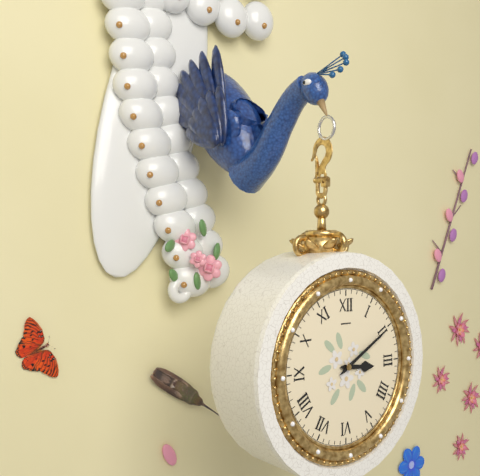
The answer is 3.10
